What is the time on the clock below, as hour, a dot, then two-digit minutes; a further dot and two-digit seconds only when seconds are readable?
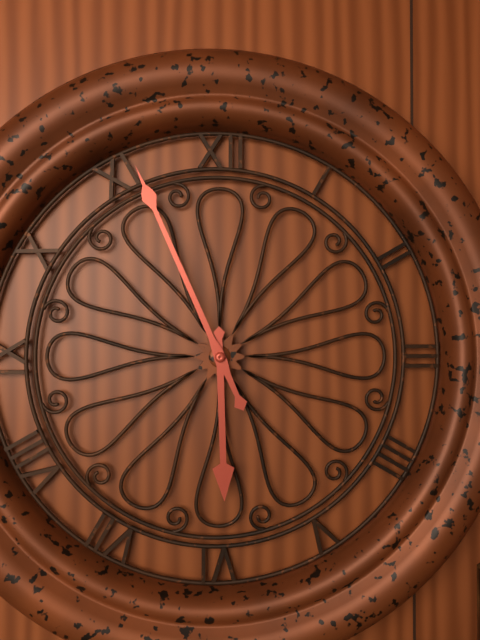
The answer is 5.56
